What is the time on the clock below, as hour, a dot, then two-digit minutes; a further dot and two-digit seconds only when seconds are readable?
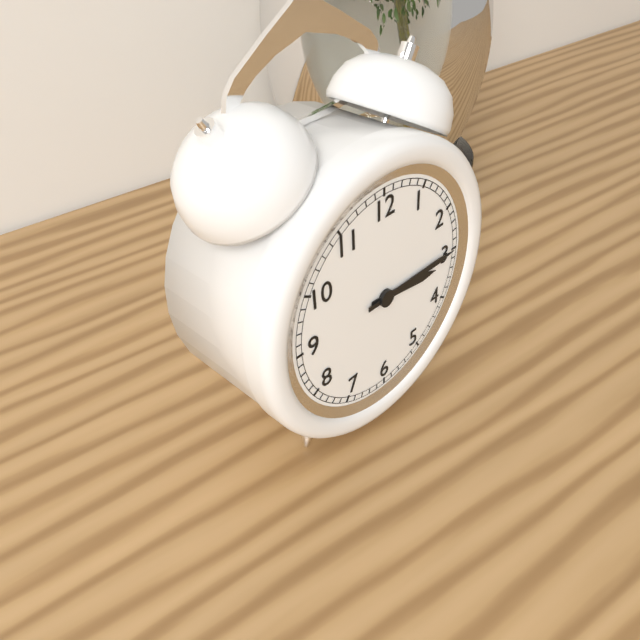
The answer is 3.15
